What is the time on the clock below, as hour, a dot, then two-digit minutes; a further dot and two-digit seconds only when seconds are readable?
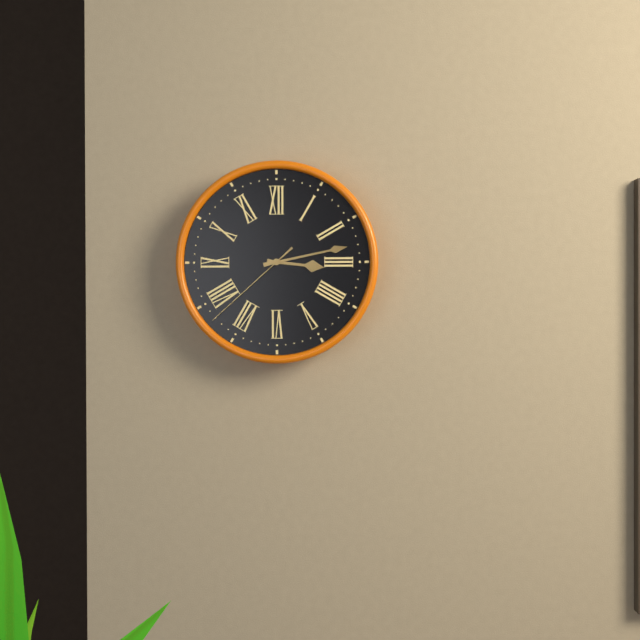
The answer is 3.13.38
